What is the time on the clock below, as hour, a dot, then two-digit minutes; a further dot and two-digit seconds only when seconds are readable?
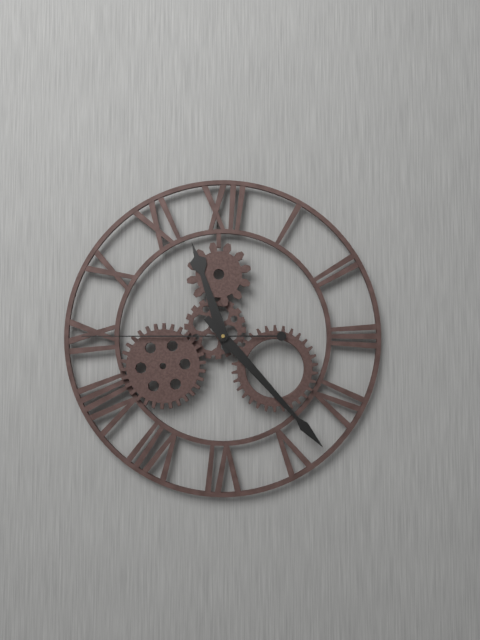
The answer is 11.23.45
